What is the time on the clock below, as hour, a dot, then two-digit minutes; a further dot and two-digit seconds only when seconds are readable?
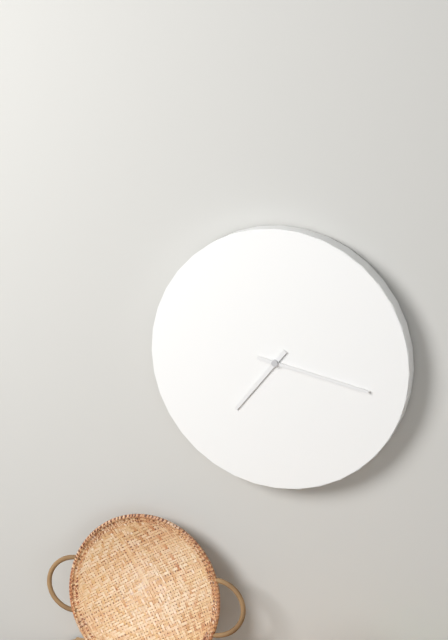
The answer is 7.17
